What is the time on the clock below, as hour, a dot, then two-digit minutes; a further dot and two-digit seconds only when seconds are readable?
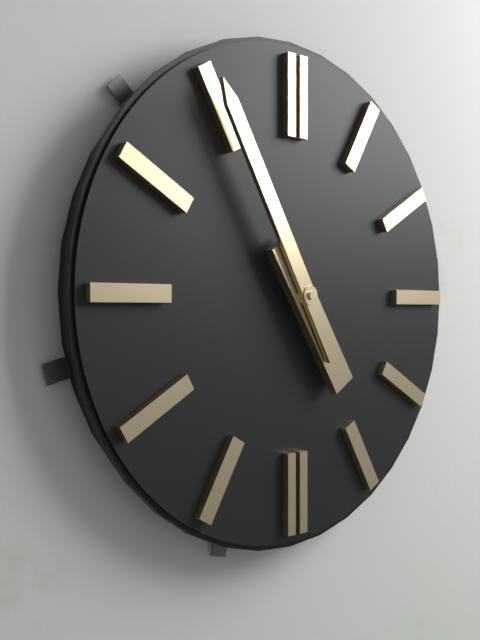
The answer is 4.55
